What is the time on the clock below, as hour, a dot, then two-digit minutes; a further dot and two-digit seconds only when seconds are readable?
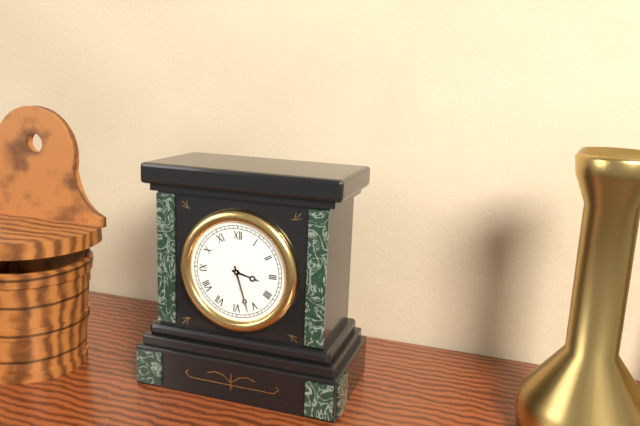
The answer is 3.27
